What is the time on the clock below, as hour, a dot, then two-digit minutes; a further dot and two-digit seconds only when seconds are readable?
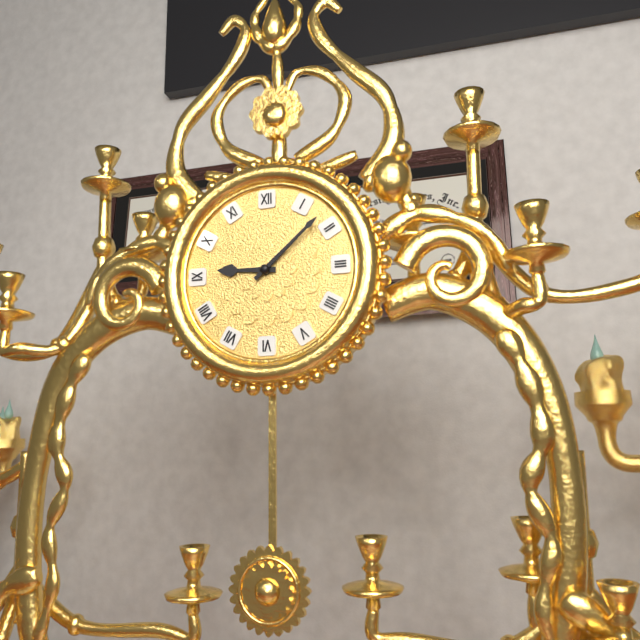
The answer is 9.08
